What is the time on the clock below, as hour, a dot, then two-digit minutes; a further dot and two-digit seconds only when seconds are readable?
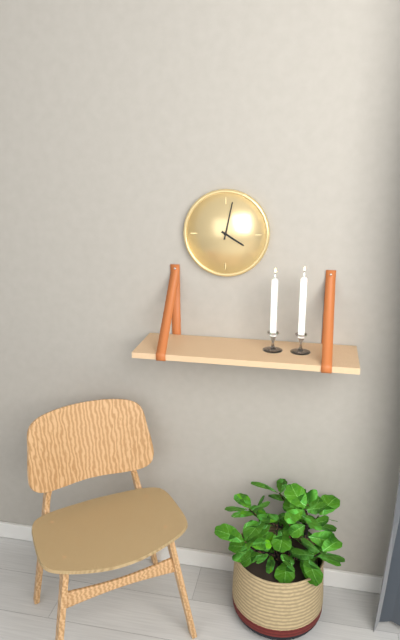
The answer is 4.02
